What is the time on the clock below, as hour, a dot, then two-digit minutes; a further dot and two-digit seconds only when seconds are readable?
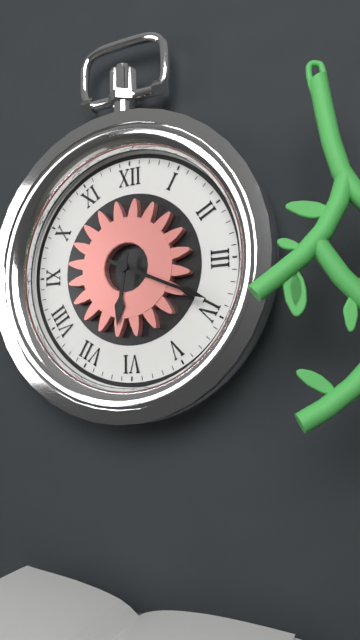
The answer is 6.19
